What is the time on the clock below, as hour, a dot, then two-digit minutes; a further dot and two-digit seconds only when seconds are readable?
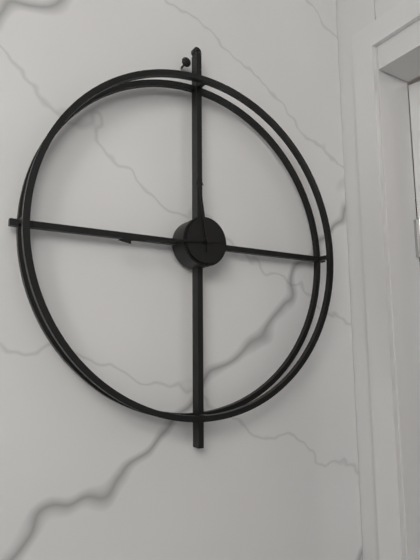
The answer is 11.44
